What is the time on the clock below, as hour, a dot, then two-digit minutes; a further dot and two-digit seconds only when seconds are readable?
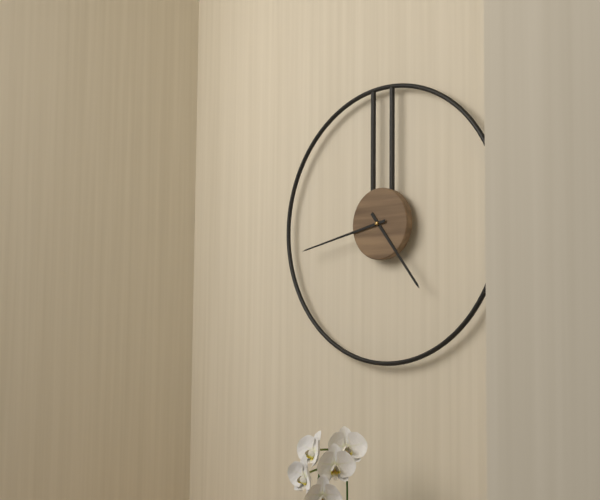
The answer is 4.43
